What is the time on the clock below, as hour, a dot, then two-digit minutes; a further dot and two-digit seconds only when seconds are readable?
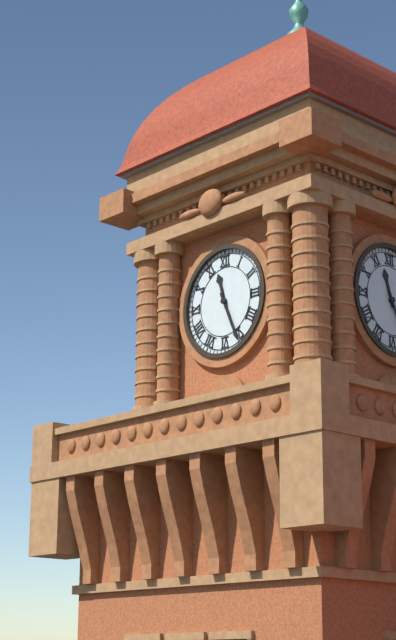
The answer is 11.26
